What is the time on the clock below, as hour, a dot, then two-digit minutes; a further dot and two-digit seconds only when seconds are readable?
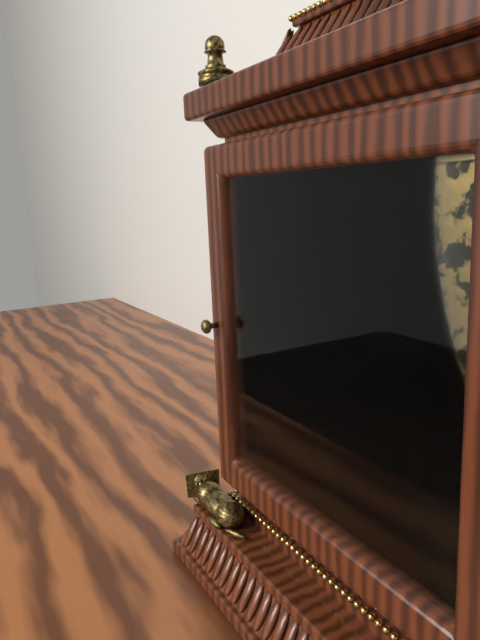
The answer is 3.59
